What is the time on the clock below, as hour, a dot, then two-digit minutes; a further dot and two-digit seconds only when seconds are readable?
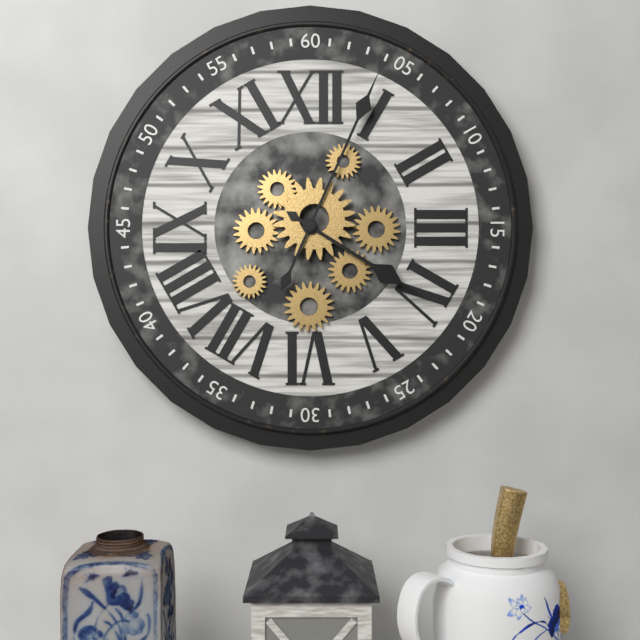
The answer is 4.04
